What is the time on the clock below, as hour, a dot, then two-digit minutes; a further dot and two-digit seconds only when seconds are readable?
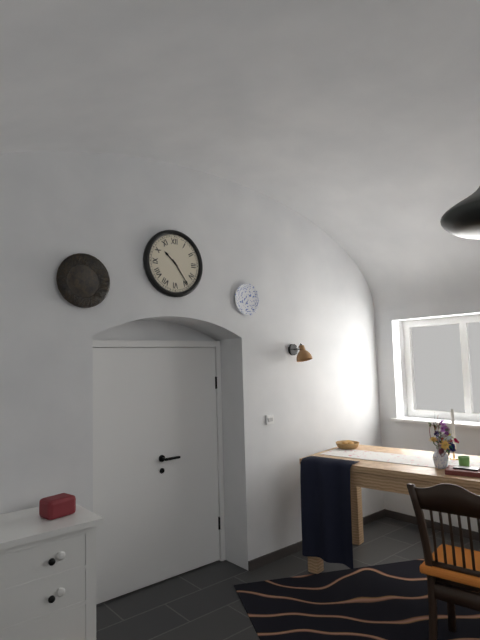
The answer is 10.24
